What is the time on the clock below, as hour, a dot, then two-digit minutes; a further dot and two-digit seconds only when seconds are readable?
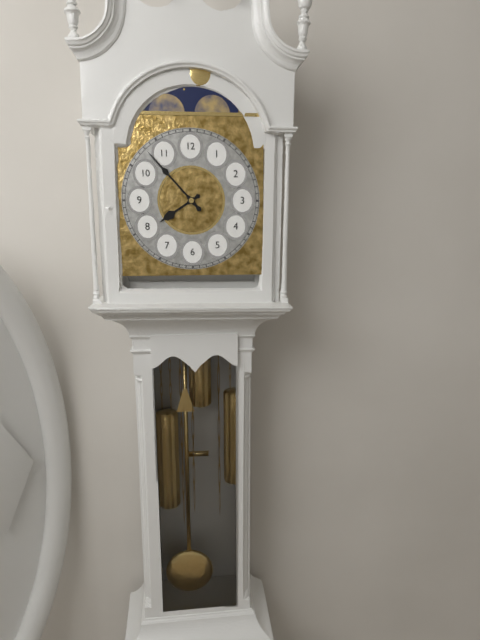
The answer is 7.53
